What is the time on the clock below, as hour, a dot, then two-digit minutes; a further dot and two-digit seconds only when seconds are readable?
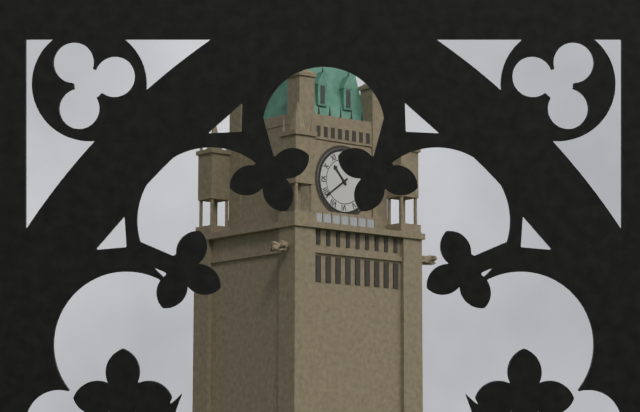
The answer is 10.39
